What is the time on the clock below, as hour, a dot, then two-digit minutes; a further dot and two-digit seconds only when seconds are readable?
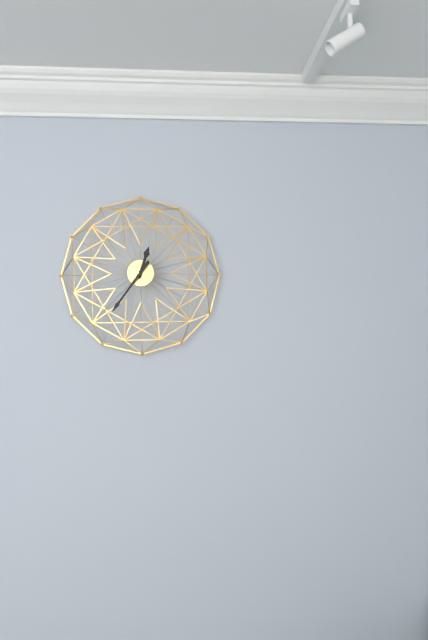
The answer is 12.36
